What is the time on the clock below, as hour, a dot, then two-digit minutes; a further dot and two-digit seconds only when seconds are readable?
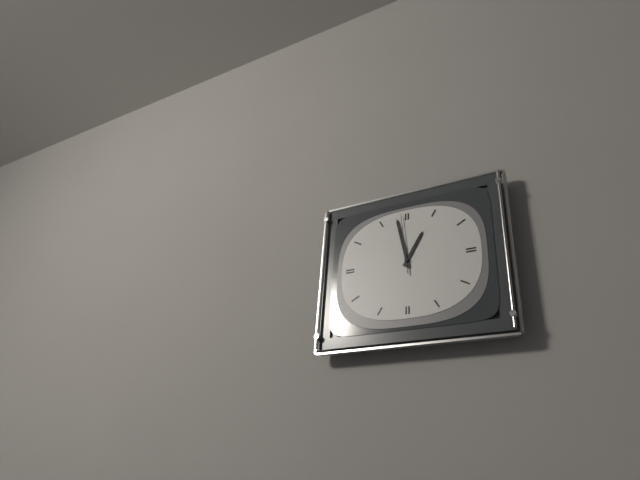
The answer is 12.58.59
